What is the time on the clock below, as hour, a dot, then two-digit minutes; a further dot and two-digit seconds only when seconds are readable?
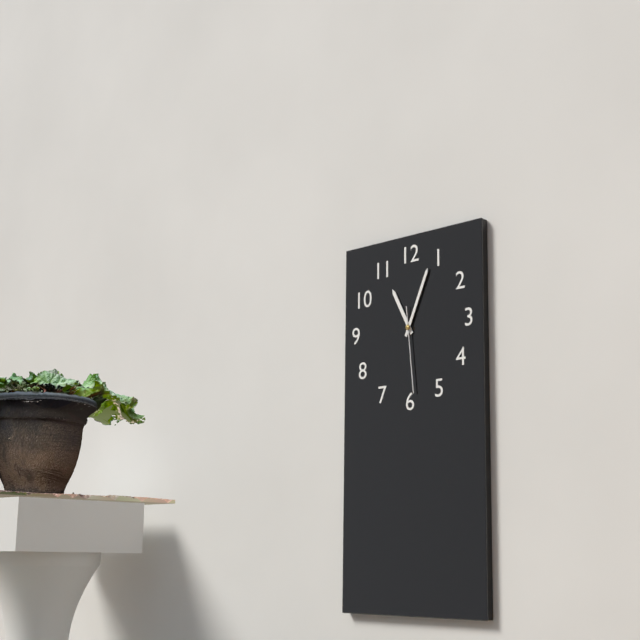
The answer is 11.04.29
